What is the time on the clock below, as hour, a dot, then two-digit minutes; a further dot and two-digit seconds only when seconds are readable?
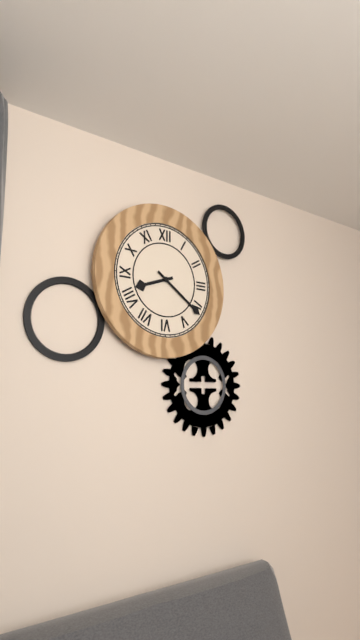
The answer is 8.21
